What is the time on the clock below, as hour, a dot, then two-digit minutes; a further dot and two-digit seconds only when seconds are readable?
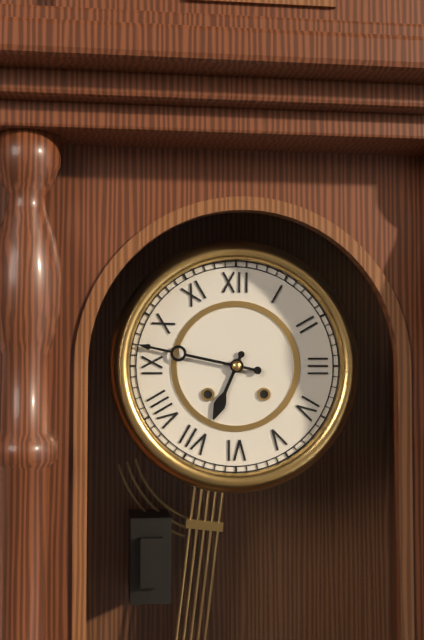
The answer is 6.47
